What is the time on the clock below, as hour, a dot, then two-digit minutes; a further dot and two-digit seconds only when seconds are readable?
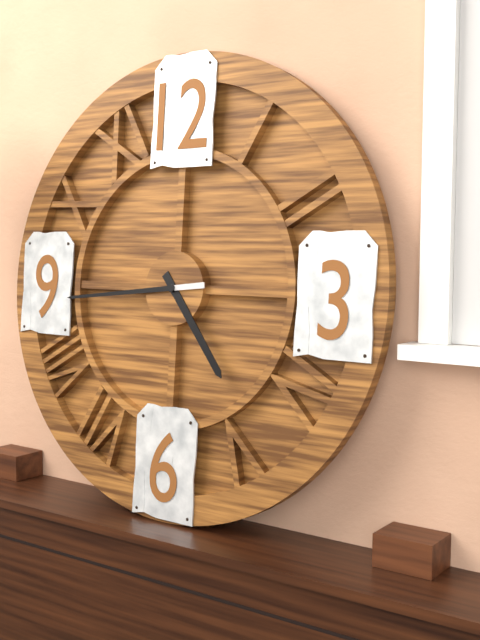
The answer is 4.44
